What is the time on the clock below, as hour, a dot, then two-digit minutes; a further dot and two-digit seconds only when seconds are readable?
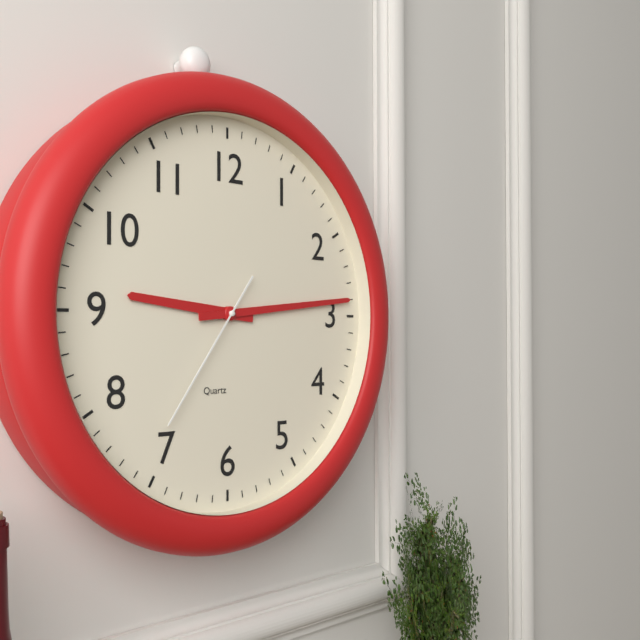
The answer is 9.14.36
